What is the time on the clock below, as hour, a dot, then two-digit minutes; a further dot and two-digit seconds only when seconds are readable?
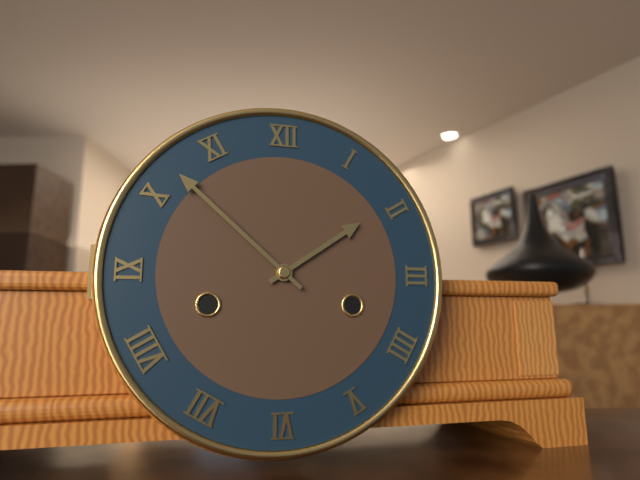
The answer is 1.52
